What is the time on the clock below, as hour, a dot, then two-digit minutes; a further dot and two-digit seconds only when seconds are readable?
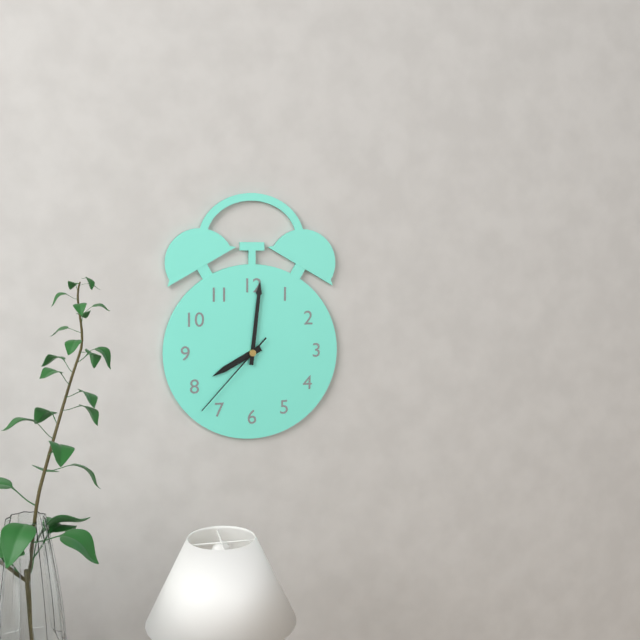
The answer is 8.01.37
